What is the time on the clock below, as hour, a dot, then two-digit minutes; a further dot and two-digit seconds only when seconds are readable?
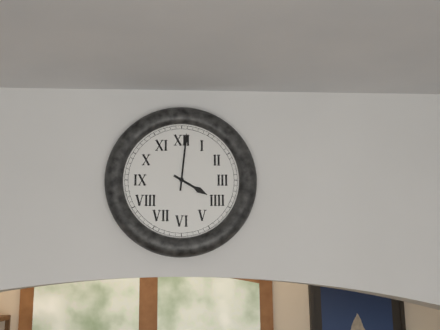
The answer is 4.01
